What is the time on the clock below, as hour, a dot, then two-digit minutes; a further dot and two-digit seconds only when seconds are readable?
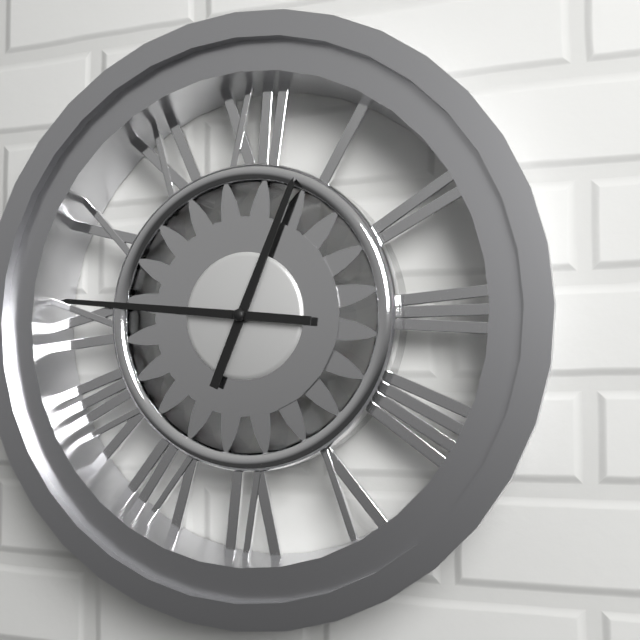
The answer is 12.46
